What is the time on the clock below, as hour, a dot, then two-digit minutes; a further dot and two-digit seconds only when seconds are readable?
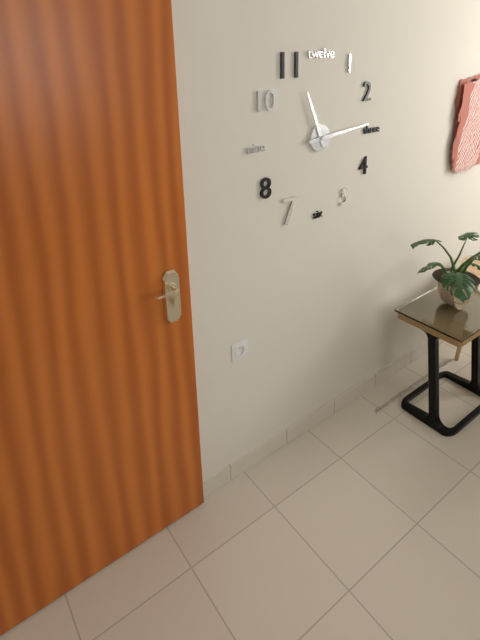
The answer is 11.14
